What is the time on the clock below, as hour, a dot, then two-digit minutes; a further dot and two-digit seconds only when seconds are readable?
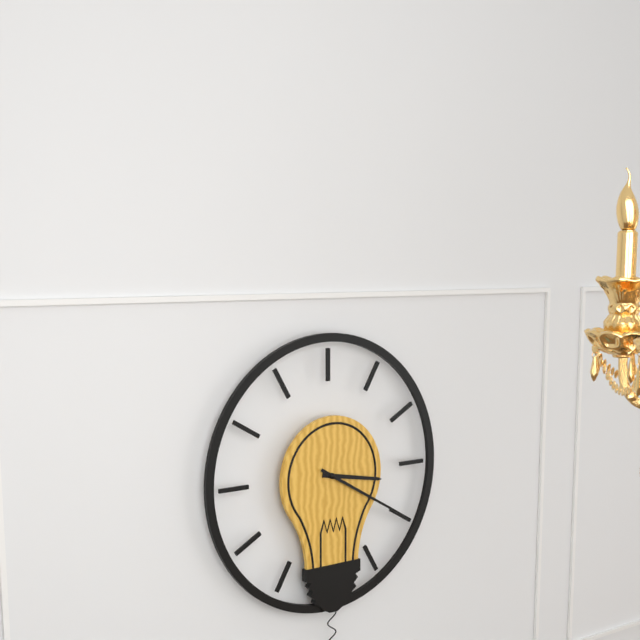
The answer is 3.20
